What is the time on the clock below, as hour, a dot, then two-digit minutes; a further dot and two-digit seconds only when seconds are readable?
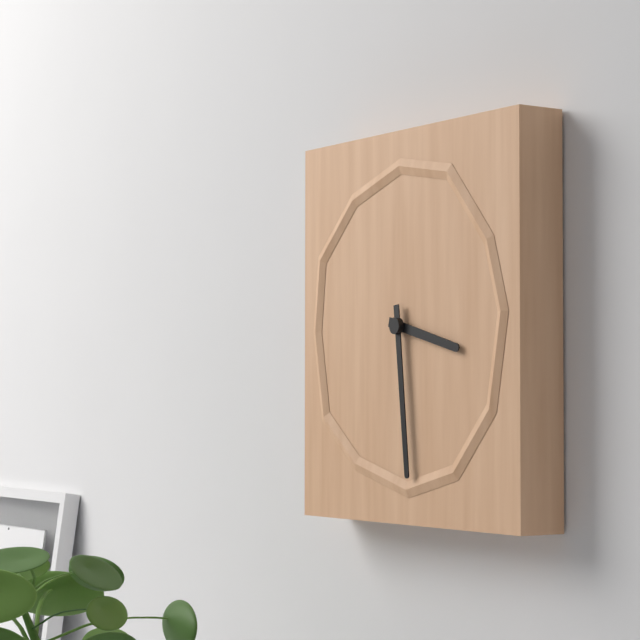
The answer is 3.29
